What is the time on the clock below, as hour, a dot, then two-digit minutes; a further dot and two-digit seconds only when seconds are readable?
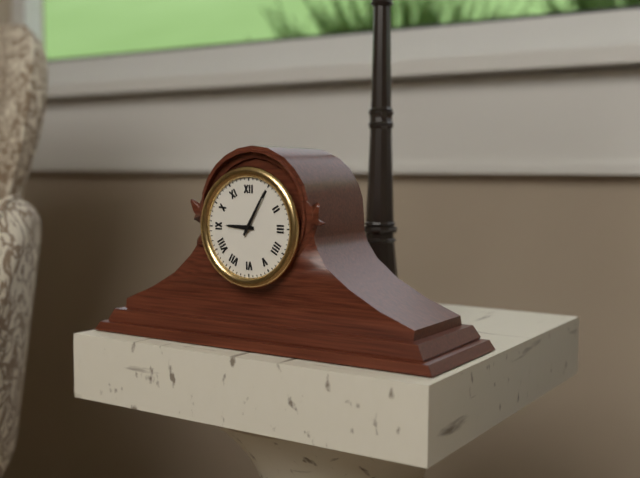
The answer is 9.05
